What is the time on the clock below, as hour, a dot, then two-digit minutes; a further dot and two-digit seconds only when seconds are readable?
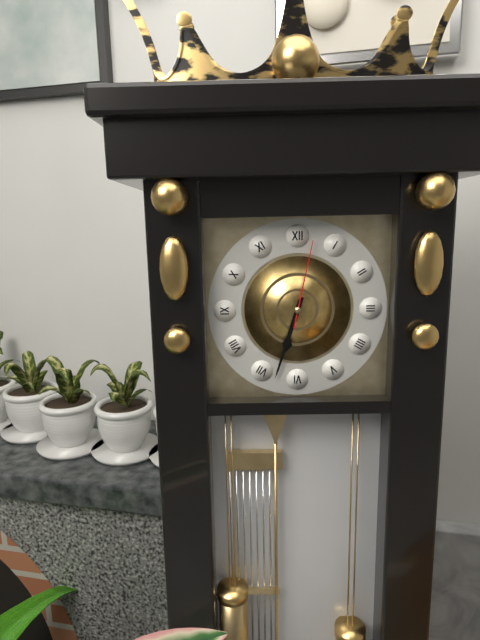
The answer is 6.33.02
